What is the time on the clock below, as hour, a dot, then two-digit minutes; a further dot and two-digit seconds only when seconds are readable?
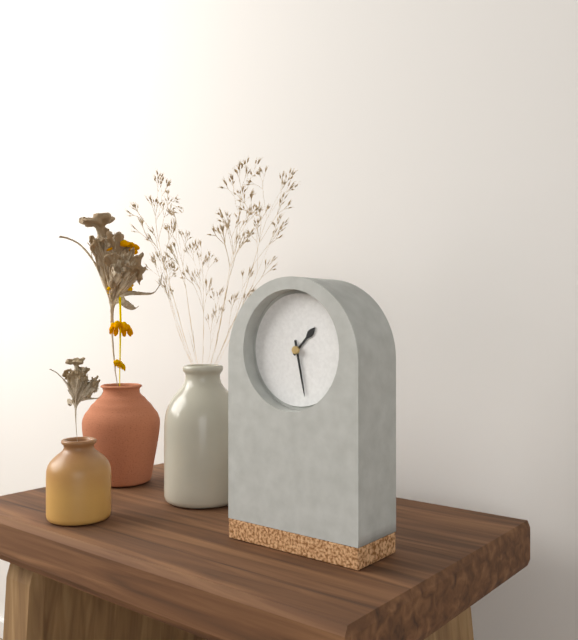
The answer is 1.28
